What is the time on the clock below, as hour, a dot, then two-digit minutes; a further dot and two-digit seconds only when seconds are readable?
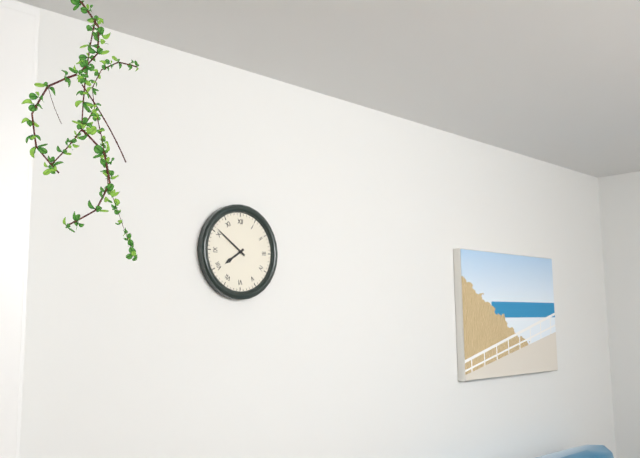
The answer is 7.51
